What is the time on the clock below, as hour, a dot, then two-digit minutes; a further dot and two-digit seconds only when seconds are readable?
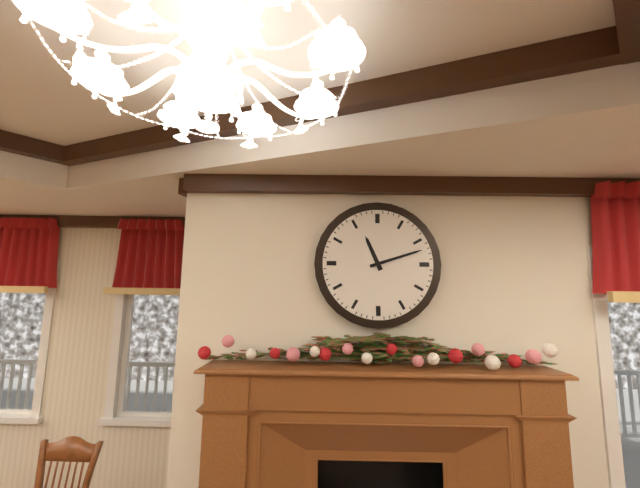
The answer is 11.12
